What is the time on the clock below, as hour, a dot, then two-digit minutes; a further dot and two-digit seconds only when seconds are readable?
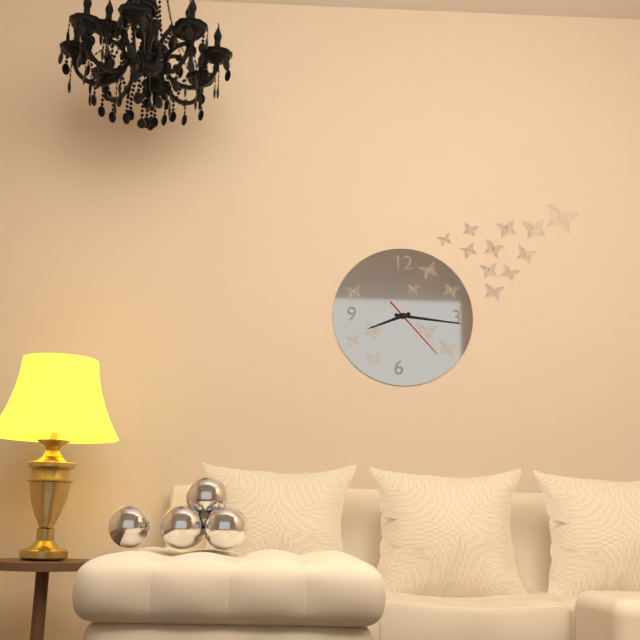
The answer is 8.16.23
